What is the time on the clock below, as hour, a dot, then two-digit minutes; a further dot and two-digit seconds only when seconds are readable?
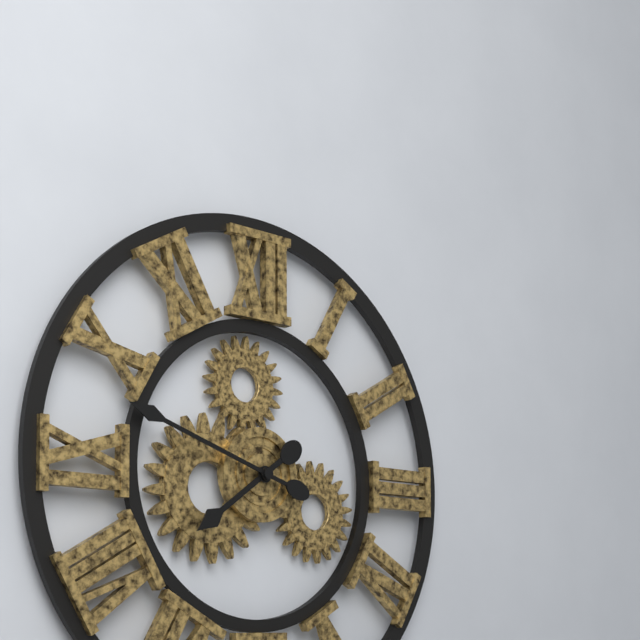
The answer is 7.48
